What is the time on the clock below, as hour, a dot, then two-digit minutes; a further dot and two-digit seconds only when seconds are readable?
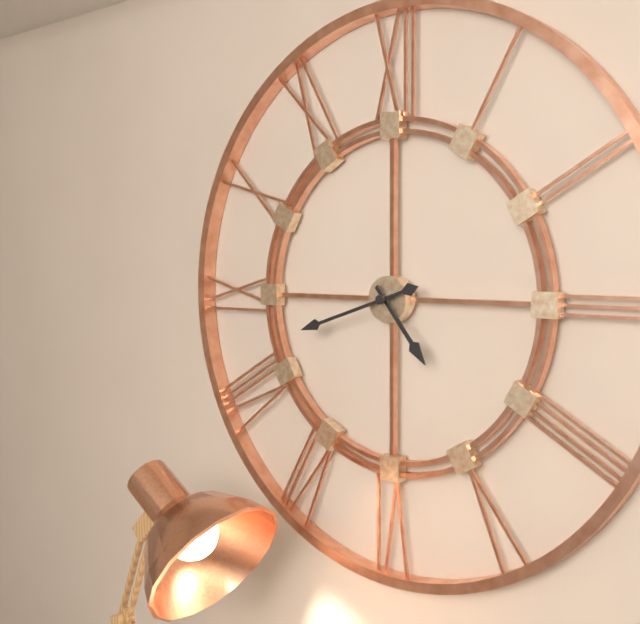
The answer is 4.42
